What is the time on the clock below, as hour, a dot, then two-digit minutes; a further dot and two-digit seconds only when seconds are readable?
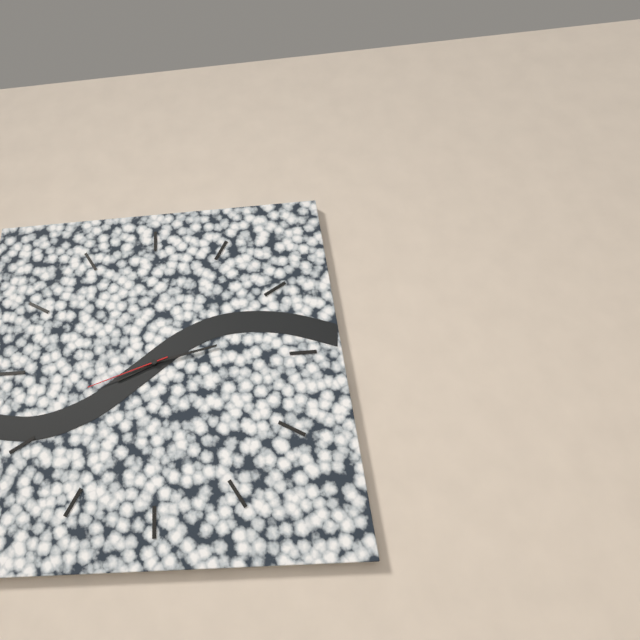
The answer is 8.13.42
